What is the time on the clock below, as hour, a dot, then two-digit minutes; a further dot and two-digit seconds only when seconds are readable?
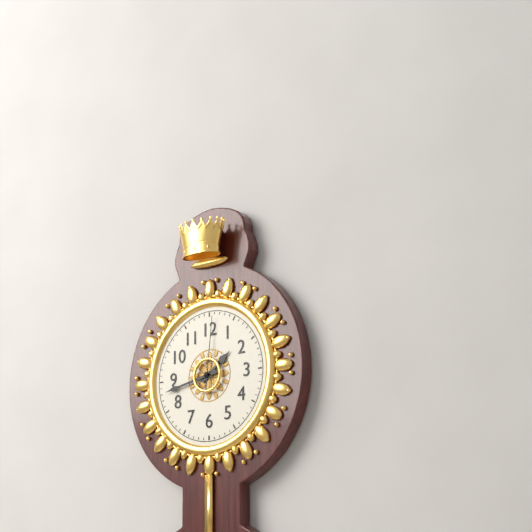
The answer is 1.43.01
